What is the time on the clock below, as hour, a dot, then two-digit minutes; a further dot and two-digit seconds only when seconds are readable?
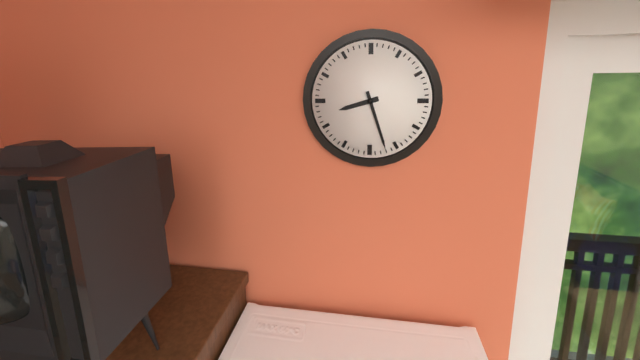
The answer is 8.27
